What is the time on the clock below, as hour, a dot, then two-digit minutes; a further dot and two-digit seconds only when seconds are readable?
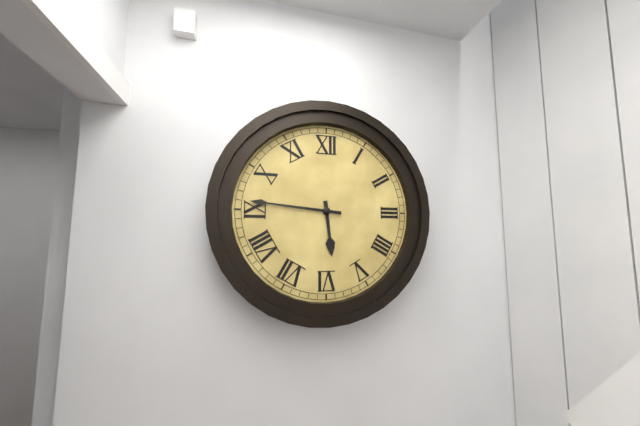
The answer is 5.46
